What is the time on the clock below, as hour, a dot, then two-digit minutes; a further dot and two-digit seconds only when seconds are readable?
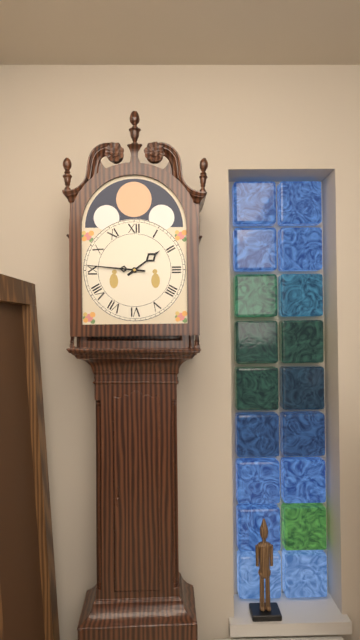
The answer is 1.46
